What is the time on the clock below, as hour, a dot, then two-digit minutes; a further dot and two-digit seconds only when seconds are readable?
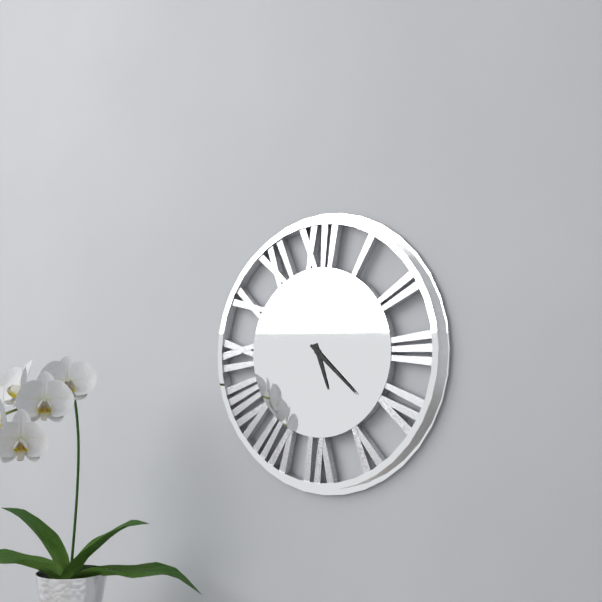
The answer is 5.22
